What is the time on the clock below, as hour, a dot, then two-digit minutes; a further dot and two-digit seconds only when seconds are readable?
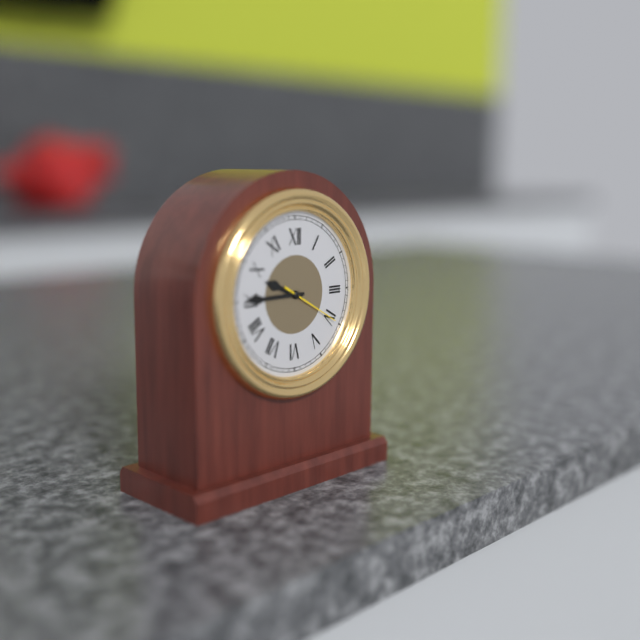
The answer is 9.45.20
